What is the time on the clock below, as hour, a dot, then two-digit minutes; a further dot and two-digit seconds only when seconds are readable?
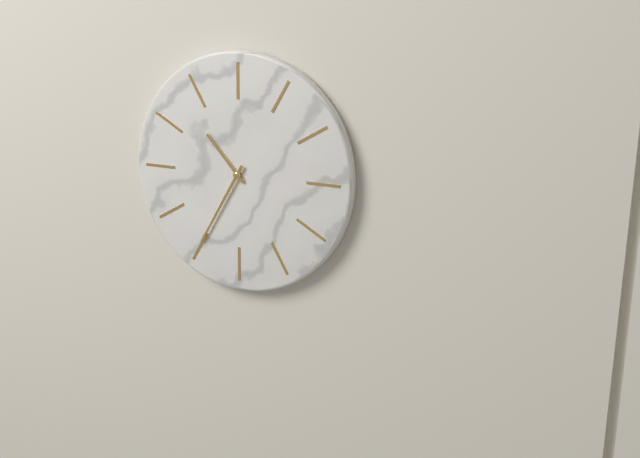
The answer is 10.35
